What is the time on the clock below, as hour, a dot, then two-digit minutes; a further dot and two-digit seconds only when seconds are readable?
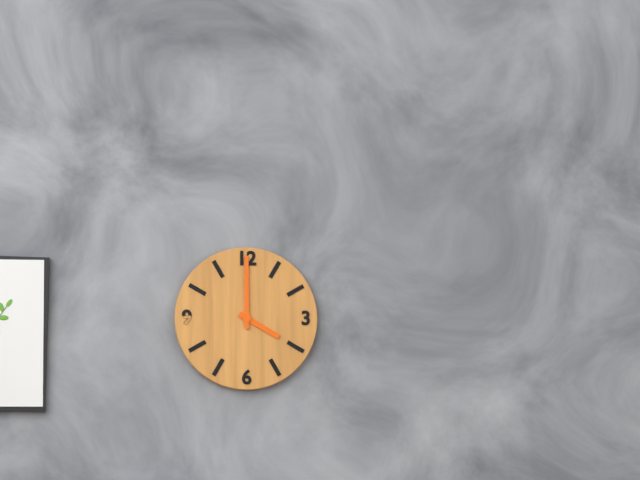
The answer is 4.00
